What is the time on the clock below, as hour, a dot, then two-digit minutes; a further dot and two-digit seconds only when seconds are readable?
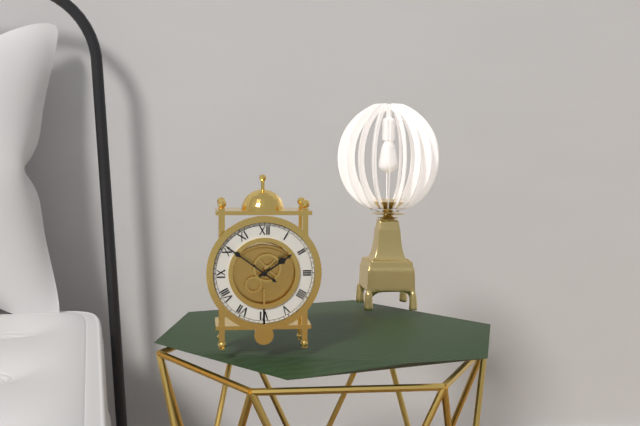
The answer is 1.51
